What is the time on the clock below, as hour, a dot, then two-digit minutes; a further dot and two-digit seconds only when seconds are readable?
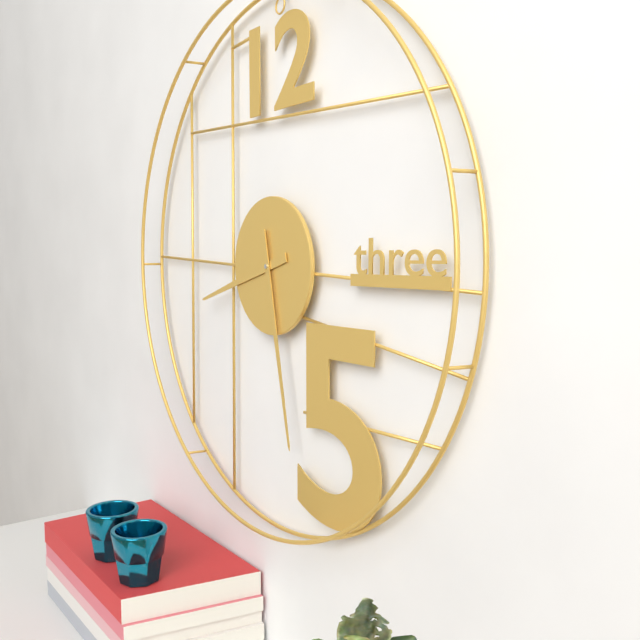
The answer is 8.28
